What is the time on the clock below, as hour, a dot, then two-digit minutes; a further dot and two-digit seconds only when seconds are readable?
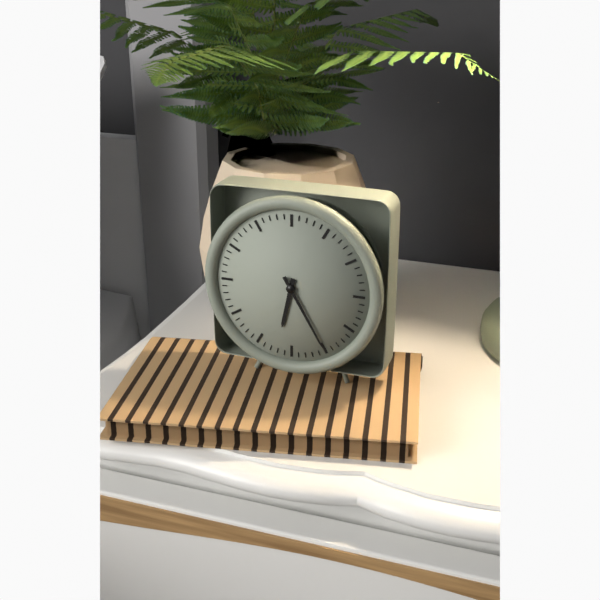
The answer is 6.25
